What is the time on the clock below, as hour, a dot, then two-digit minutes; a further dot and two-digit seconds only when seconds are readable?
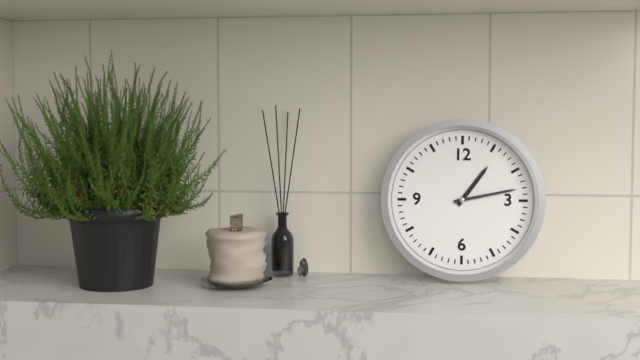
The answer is 1.13
